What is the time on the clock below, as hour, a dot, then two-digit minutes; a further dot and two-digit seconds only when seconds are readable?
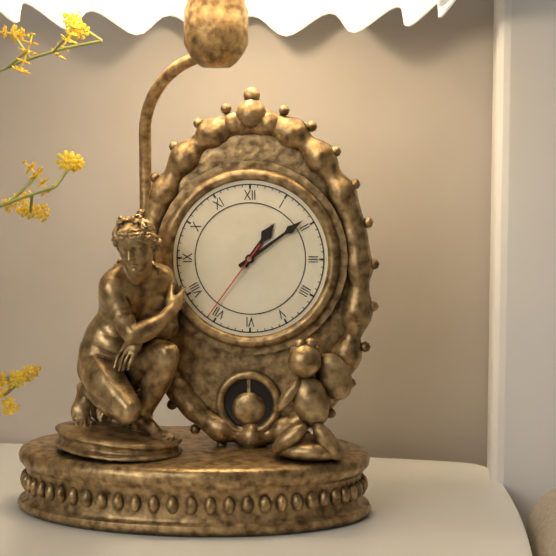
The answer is 1.09.36
